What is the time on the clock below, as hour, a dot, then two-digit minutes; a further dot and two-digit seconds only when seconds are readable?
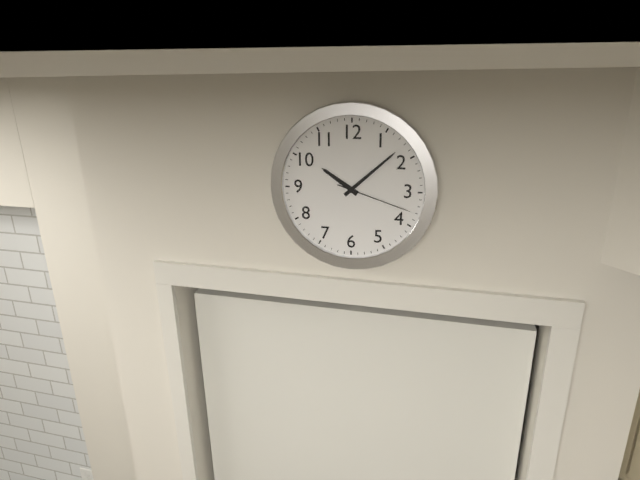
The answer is 10.08.18
